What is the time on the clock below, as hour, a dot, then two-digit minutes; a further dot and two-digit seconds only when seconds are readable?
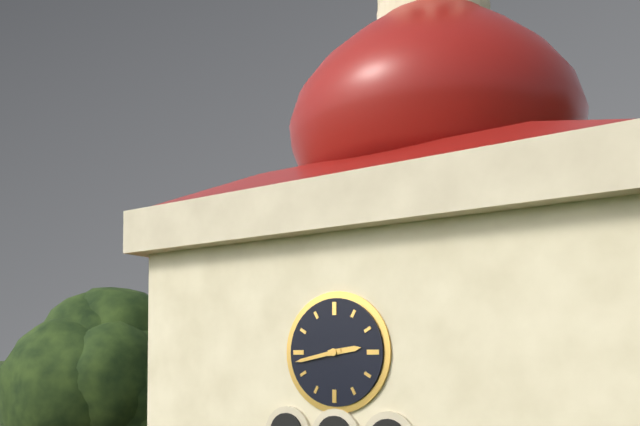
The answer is 2.43
